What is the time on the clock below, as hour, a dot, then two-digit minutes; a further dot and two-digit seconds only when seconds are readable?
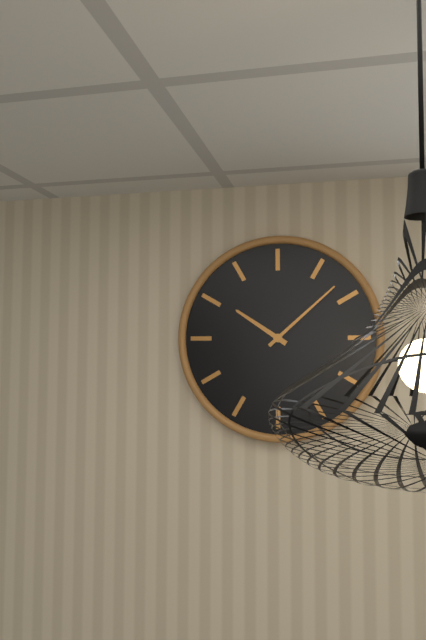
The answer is 10.08
